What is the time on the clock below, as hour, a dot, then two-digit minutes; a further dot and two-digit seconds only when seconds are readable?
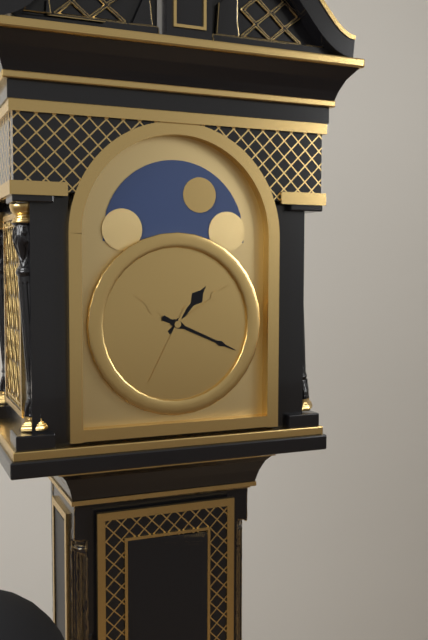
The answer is 1.19
